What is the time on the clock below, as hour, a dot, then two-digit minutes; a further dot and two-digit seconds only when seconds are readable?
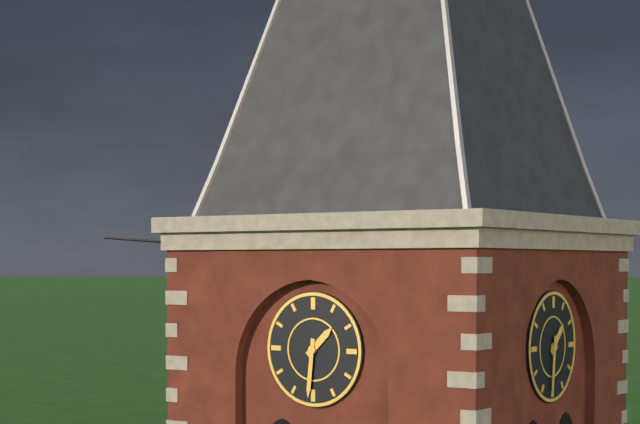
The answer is 1.31
